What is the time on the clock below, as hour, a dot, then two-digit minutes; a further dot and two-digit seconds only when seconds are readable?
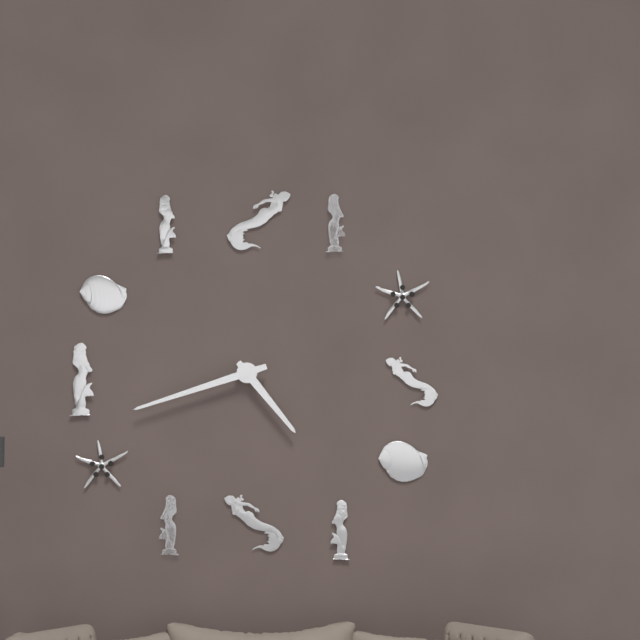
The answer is 4.42
